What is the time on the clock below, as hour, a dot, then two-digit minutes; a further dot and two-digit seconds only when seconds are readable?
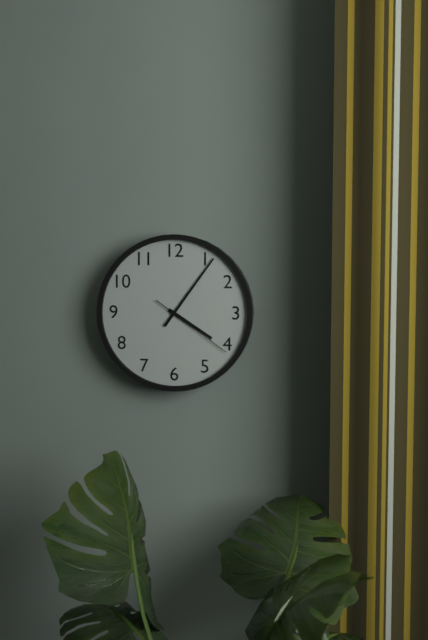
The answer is 4.06.21
